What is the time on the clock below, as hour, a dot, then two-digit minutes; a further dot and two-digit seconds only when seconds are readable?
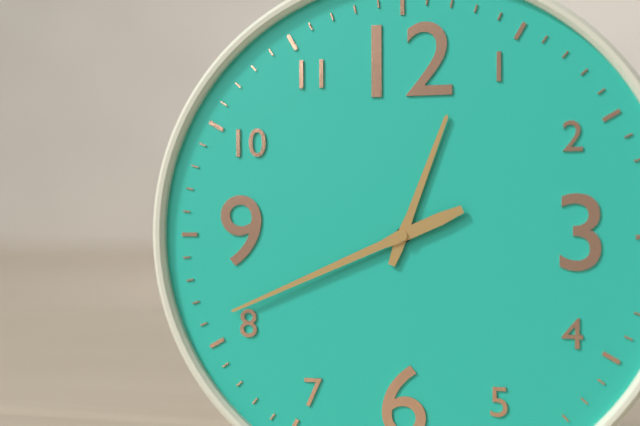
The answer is 12.41
